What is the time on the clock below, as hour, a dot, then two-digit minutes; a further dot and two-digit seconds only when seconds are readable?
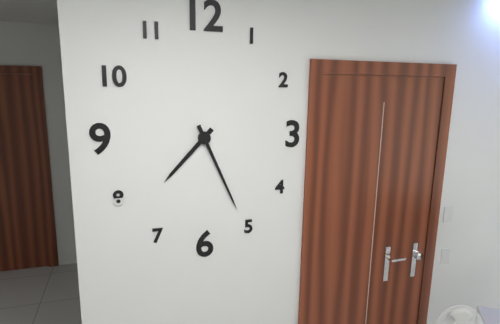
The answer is 7.26
